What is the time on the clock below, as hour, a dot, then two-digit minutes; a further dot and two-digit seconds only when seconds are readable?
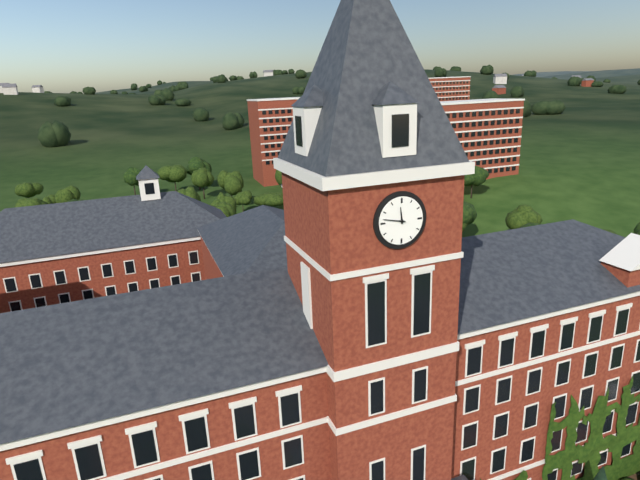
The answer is 11.47
